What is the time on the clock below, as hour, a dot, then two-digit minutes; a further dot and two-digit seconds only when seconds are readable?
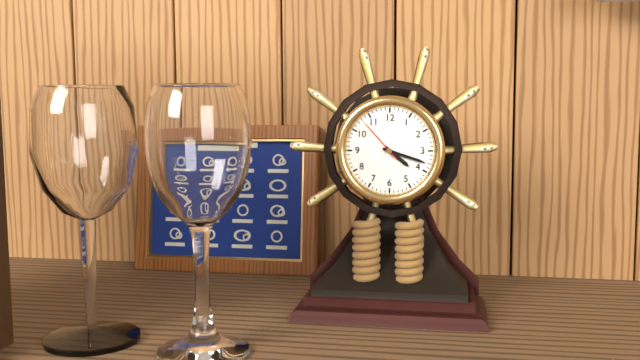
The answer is 4.18.53
